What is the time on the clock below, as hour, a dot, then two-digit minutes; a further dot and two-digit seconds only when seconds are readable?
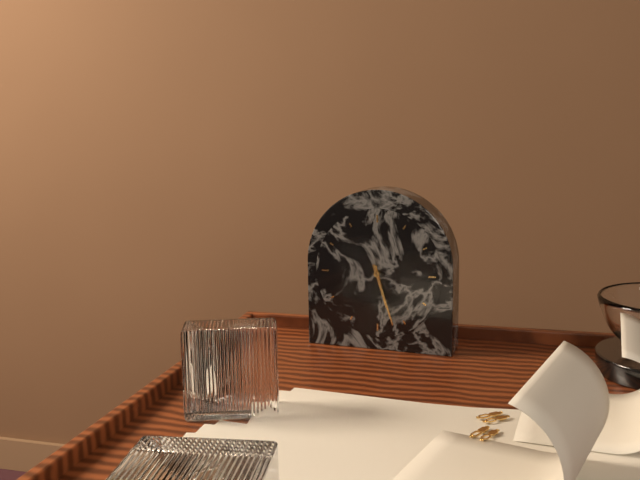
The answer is 5.27
